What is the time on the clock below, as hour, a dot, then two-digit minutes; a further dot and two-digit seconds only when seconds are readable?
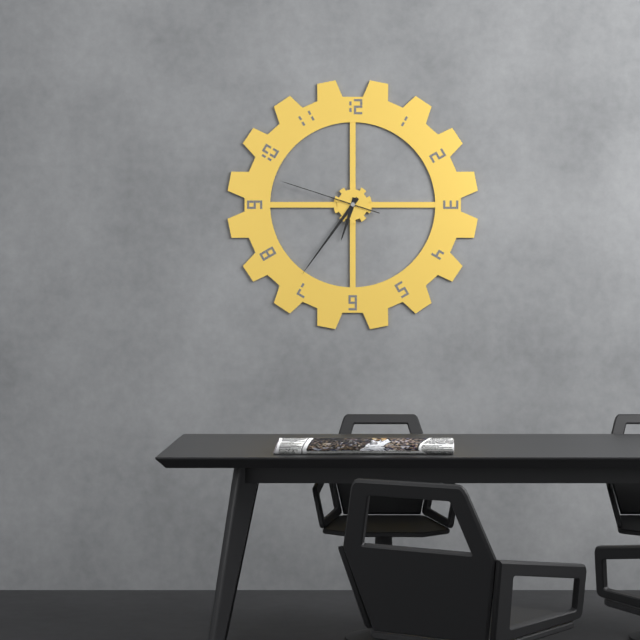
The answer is 6.36.48
